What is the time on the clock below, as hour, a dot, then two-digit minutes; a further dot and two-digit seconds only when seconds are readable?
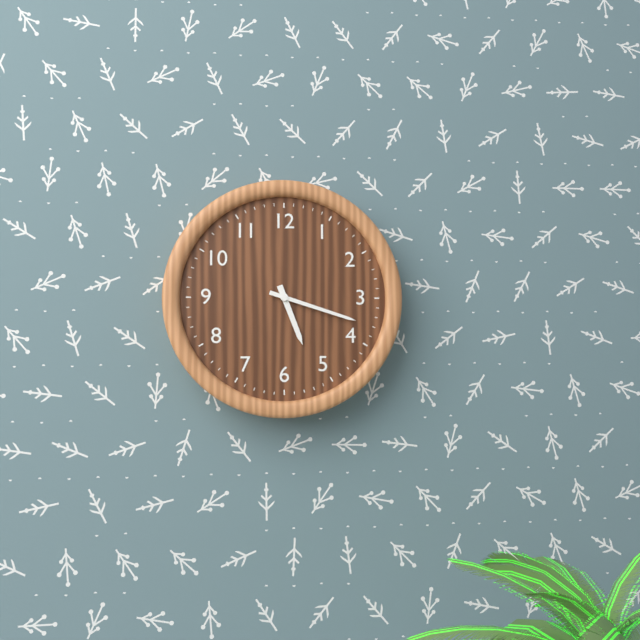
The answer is 5.18
